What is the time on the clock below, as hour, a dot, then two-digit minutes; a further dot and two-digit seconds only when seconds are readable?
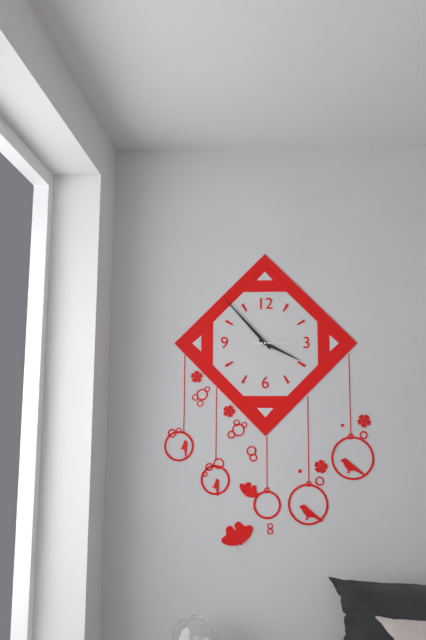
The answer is 3.53
